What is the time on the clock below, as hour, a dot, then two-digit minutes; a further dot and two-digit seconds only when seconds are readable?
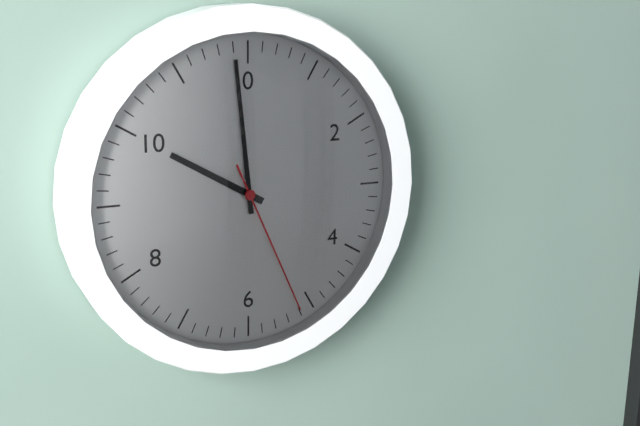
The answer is 9.59.26
